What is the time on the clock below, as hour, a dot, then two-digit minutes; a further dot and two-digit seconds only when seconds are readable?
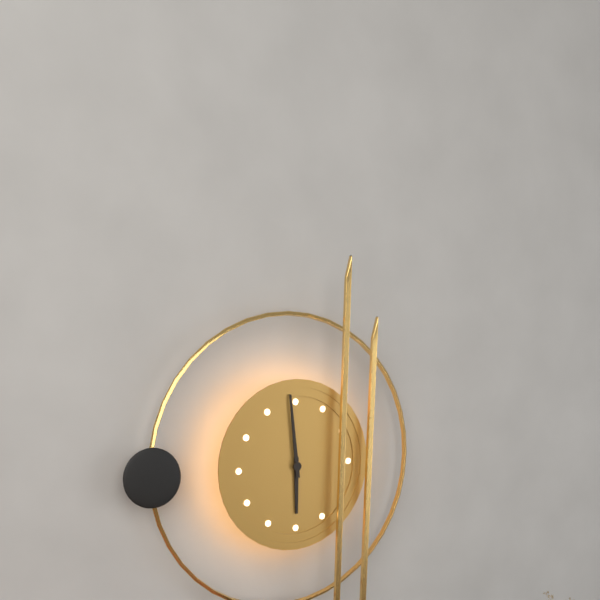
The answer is 5.59
